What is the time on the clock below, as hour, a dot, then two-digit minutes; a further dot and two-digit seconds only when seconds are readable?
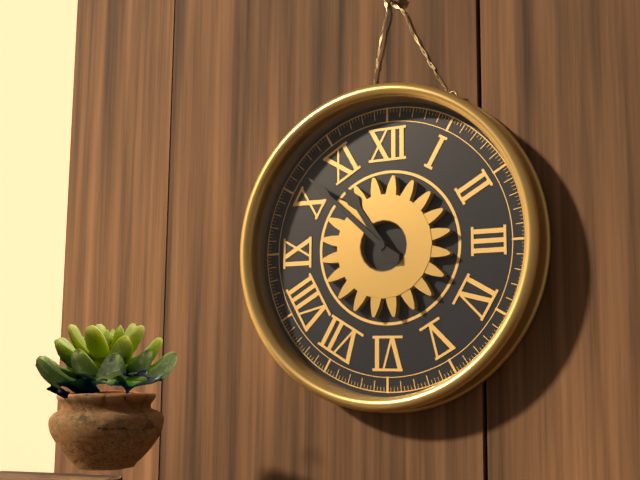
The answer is 10.52
